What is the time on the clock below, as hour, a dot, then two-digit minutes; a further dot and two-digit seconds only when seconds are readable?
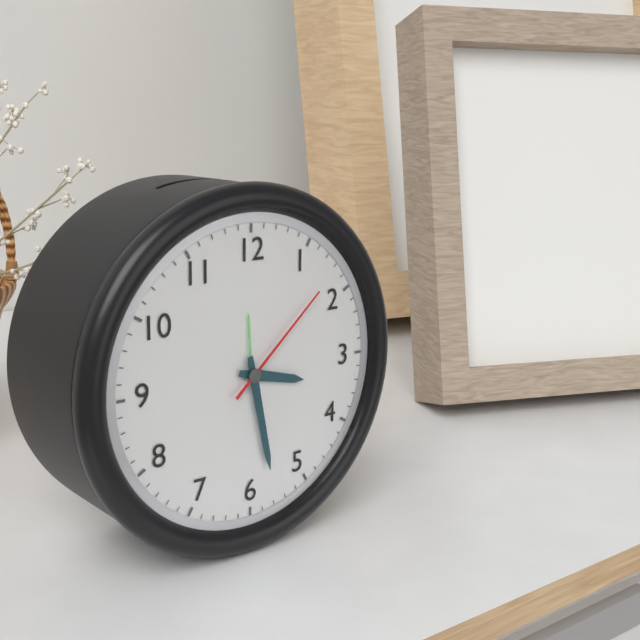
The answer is 3.28.08
